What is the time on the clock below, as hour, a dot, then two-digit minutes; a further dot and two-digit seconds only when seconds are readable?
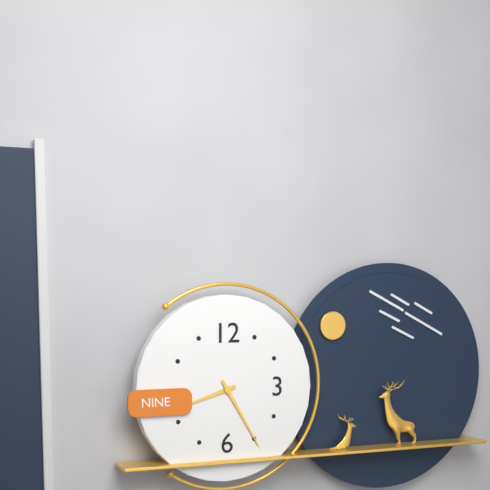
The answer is 8.25
